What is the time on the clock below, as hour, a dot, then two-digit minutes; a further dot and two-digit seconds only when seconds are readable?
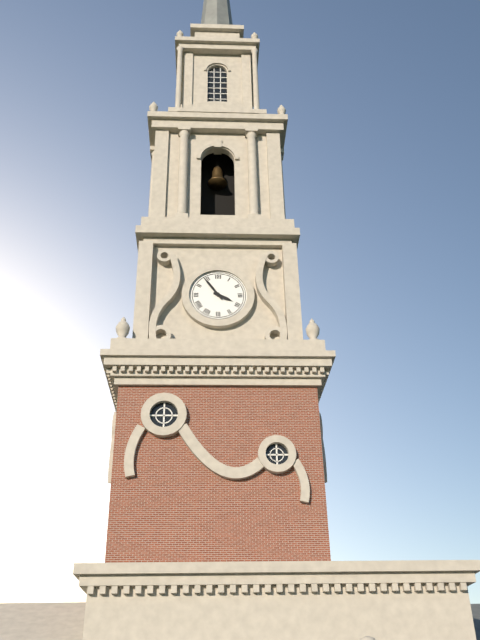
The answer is 3.54
